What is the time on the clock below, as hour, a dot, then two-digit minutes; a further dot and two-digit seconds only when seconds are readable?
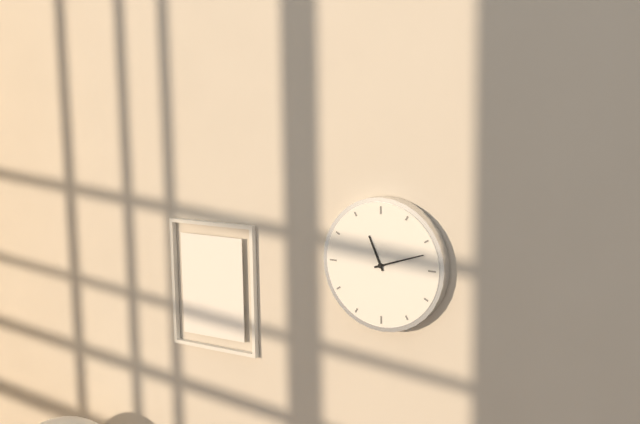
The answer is 11.12
